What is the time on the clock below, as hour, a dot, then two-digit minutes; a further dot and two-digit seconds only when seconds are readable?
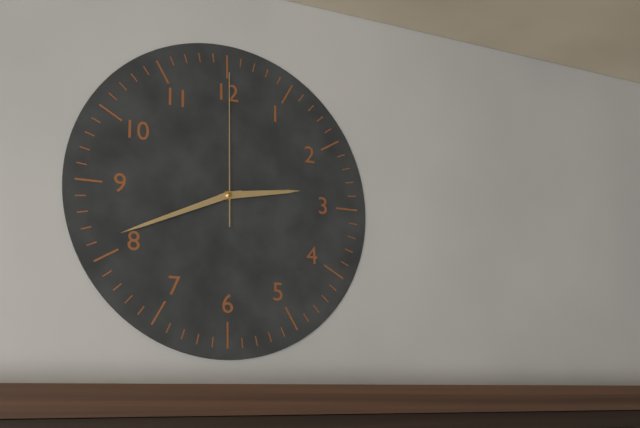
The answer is 2.41.00
